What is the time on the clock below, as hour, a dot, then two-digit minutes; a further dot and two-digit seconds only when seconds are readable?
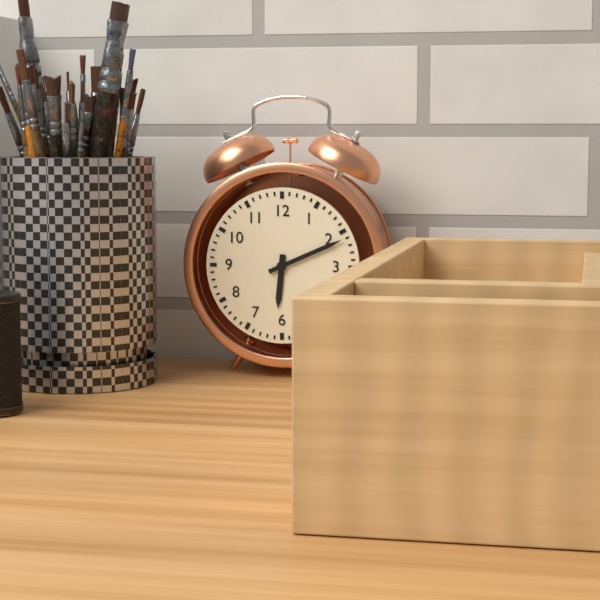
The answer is 6.11
